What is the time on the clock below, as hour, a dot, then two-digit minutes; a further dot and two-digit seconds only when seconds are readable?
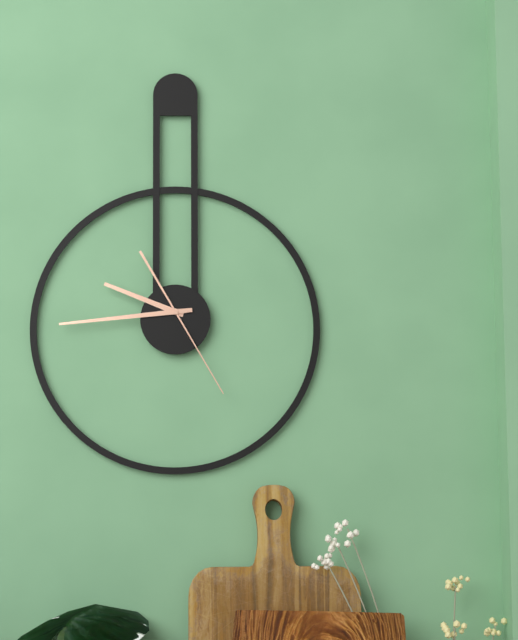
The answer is 9.44.25
